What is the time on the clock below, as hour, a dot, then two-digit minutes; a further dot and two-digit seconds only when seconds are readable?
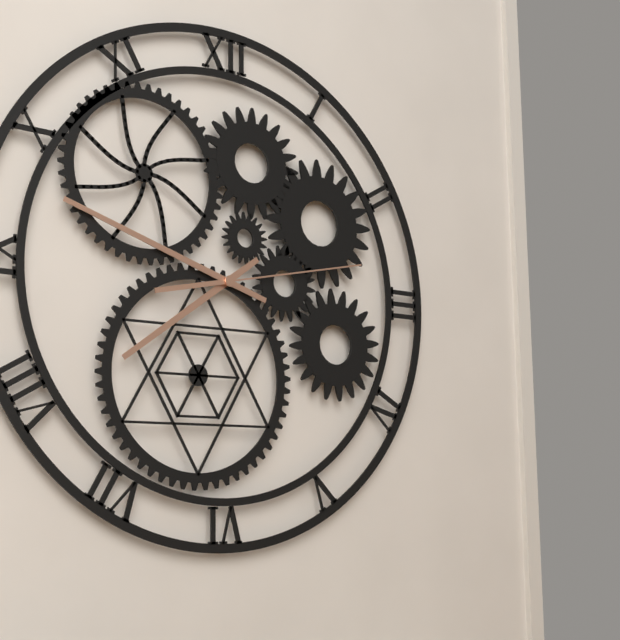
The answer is 7.48.13
